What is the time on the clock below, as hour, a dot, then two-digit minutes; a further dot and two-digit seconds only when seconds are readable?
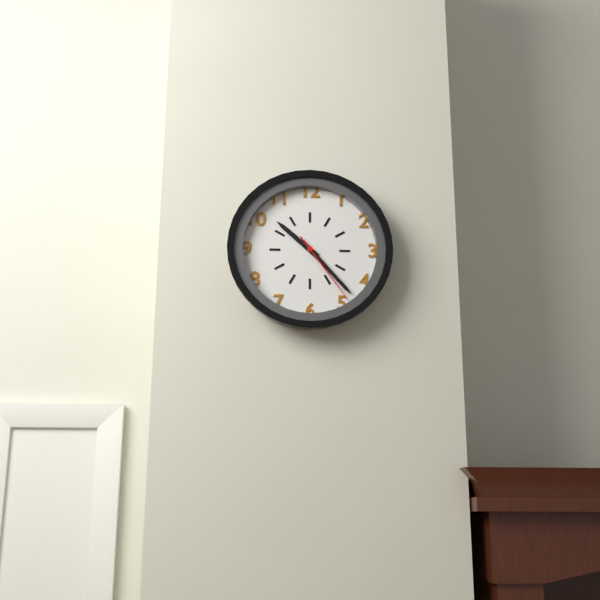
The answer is 10.23.24
